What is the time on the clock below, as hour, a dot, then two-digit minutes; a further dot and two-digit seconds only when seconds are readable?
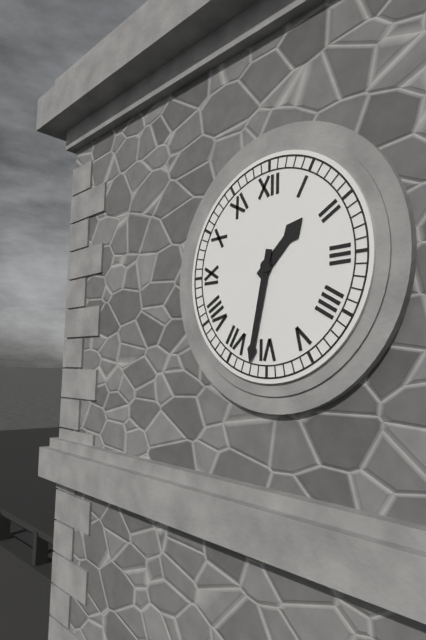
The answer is 1.32
